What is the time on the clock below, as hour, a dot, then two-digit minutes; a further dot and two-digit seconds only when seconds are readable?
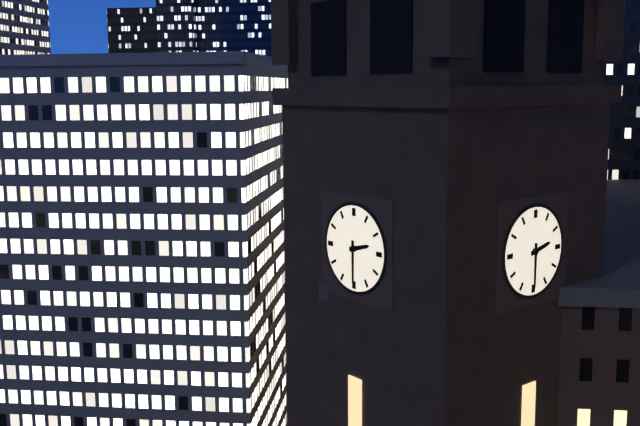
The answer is 2.30
